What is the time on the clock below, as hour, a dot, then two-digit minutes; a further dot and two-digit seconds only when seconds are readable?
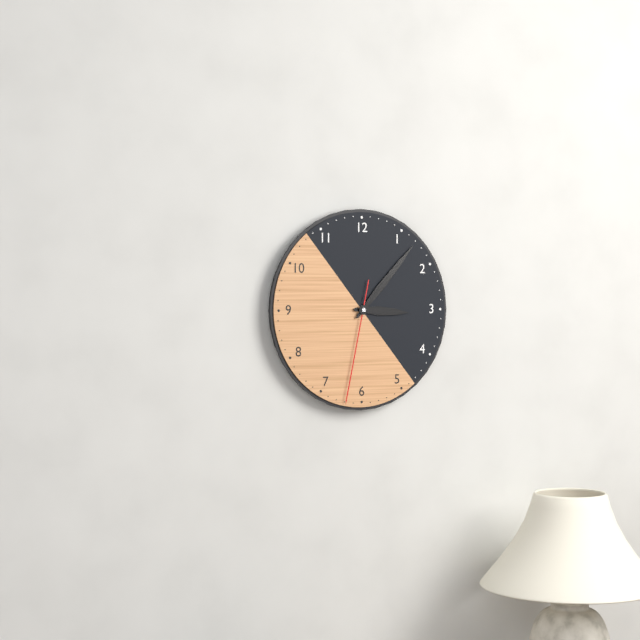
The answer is 3.07.32
